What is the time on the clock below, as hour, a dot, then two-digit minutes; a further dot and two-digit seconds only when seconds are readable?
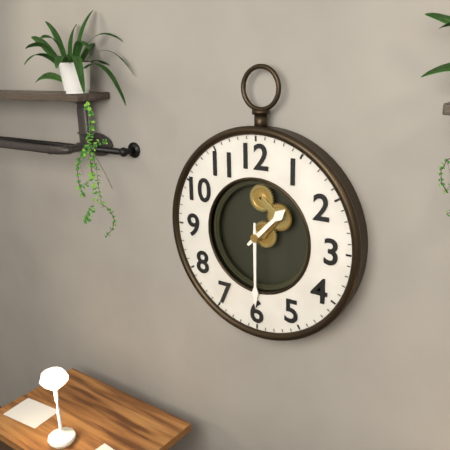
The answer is 1.30
